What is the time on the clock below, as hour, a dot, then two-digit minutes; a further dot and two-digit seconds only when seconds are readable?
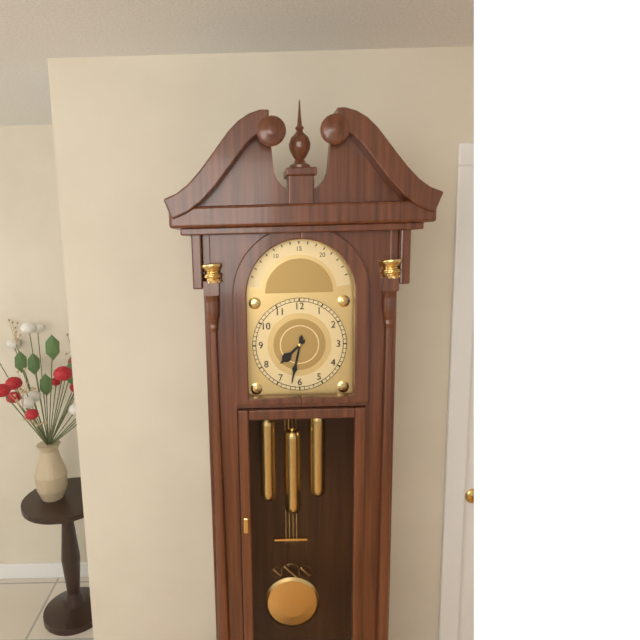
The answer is 7.32
